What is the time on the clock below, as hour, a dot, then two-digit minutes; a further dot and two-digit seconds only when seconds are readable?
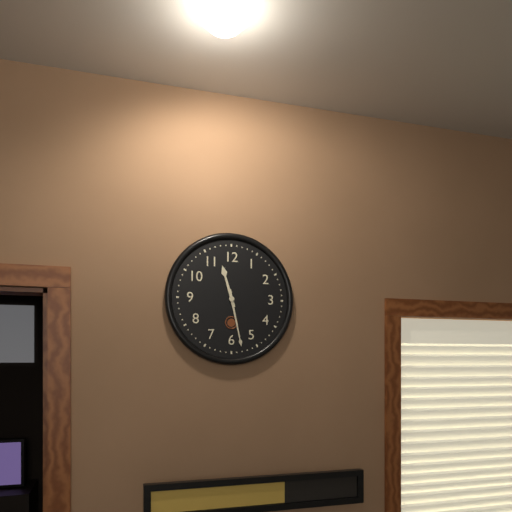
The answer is 11.28
